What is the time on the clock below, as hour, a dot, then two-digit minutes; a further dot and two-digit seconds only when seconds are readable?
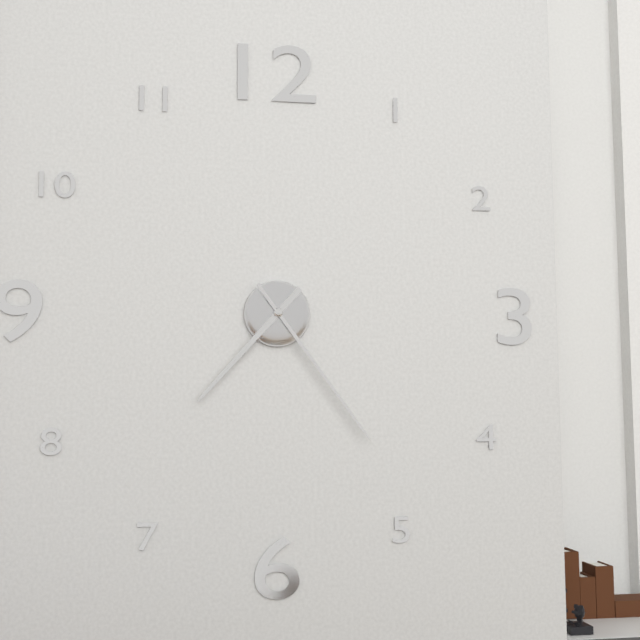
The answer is 7.24
